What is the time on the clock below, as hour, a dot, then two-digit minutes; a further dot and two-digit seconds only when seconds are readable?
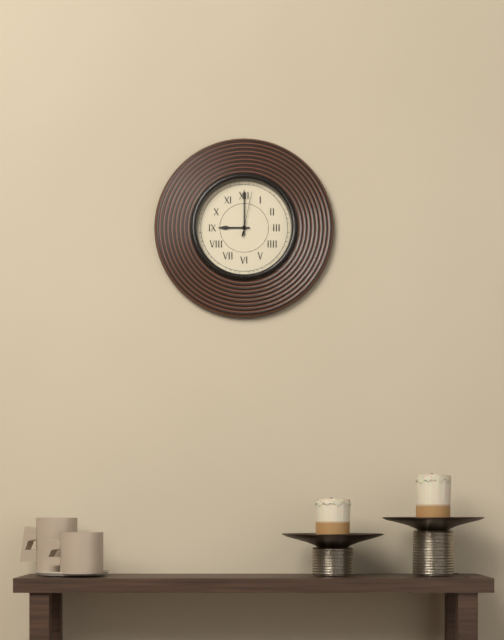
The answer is 9.00
